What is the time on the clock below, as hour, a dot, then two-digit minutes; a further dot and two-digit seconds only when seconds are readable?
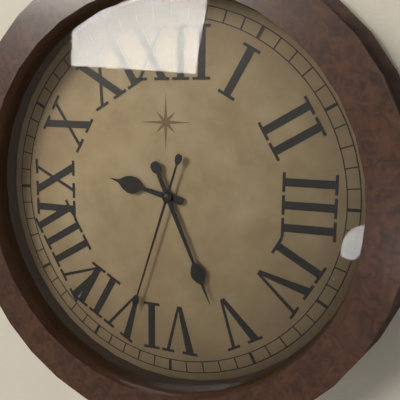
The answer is 9.26.33
